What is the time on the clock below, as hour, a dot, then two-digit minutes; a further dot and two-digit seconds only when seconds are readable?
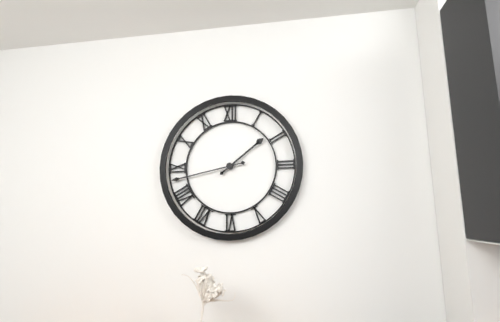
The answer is 1.43
